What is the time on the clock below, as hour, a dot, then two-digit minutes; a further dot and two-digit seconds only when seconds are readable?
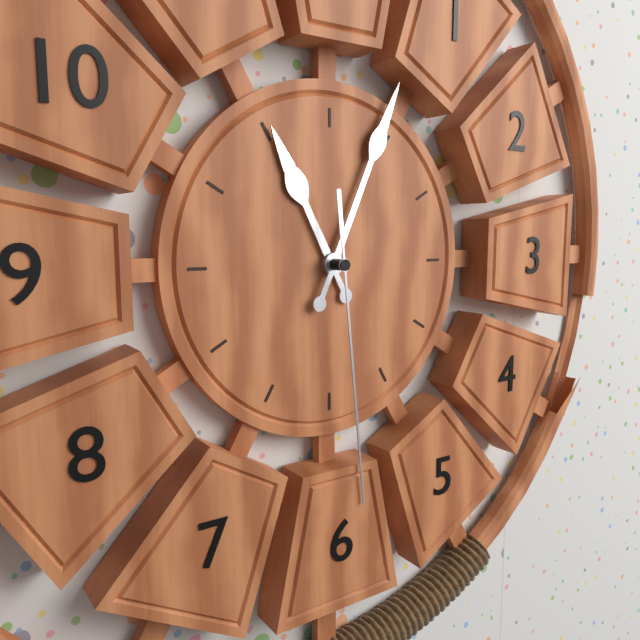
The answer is 11.04.29
